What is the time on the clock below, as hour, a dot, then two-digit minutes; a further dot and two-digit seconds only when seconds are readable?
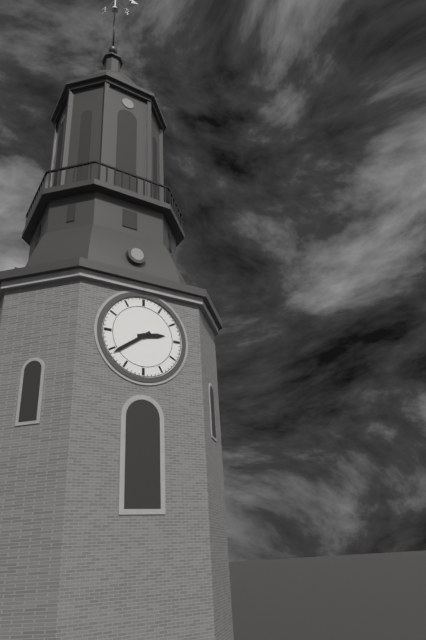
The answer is 2.39
